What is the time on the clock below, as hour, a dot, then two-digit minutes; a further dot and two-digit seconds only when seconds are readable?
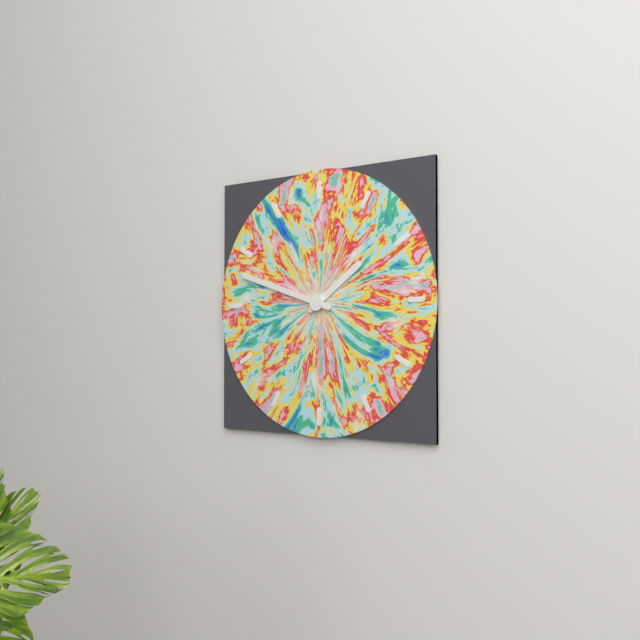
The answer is 1.48
